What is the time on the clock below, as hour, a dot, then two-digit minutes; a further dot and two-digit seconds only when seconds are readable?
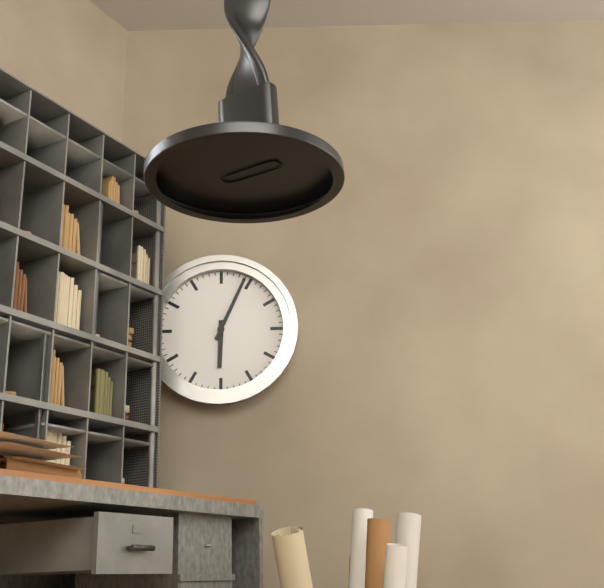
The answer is 6.04
